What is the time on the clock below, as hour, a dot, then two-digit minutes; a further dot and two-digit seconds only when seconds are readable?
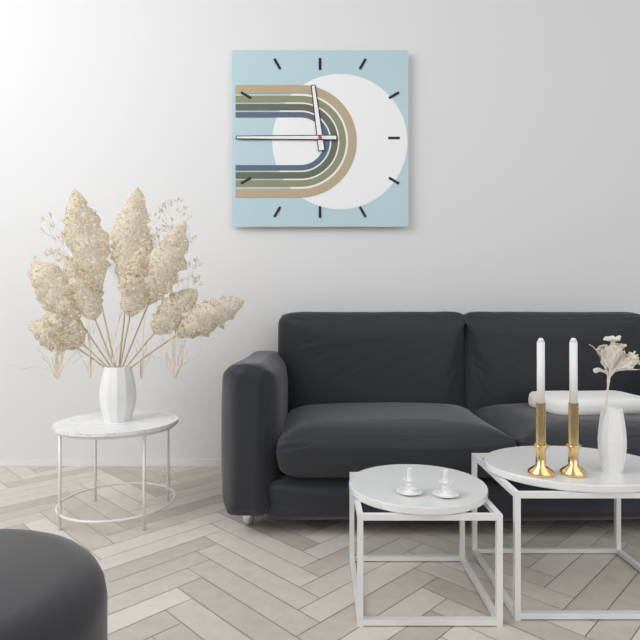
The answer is 11.45
